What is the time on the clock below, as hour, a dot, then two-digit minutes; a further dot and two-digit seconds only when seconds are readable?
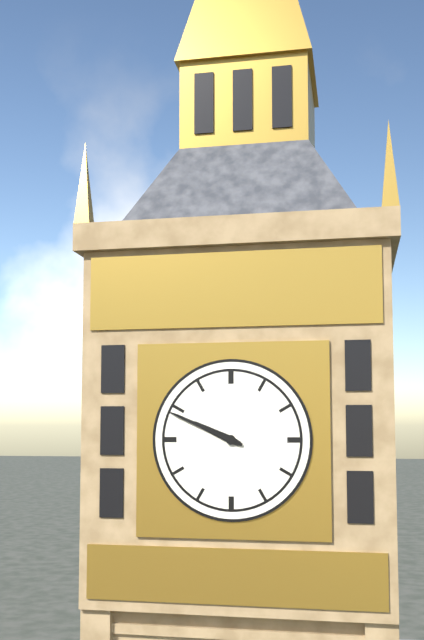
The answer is 9.49
